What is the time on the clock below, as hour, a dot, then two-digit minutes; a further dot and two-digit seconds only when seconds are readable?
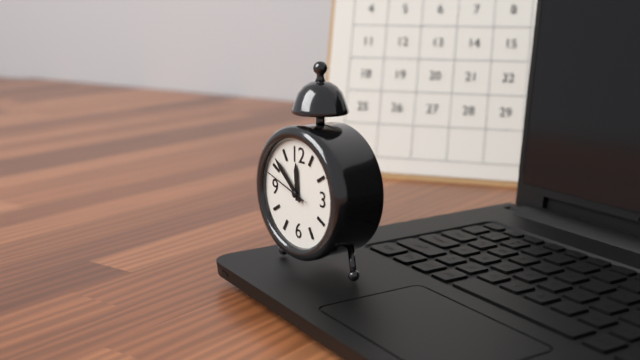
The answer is 11.52.48
